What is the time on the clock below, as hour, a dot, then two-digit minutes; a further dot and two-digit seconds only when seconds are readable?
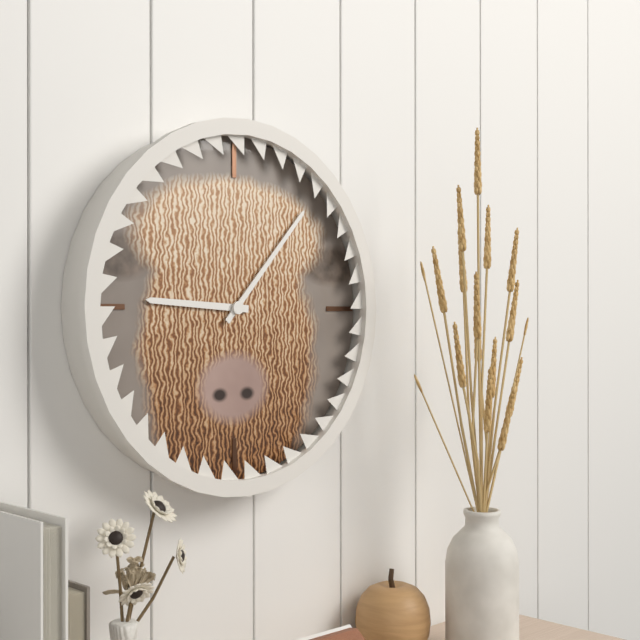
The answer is 9.07
